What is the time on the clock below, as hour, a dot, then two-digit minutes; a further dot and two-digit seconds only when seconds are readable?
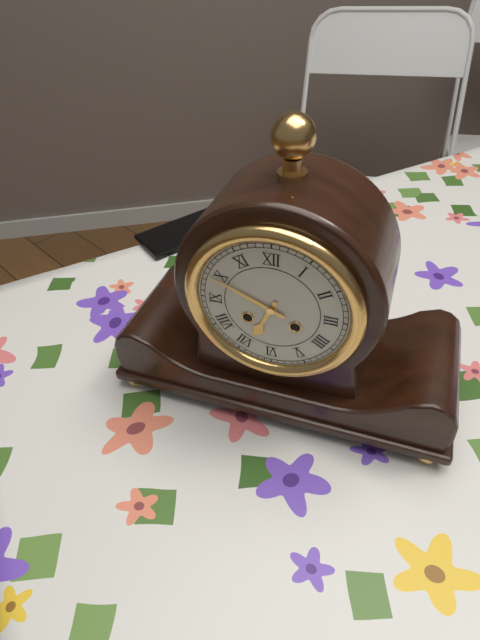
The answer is 6.49
